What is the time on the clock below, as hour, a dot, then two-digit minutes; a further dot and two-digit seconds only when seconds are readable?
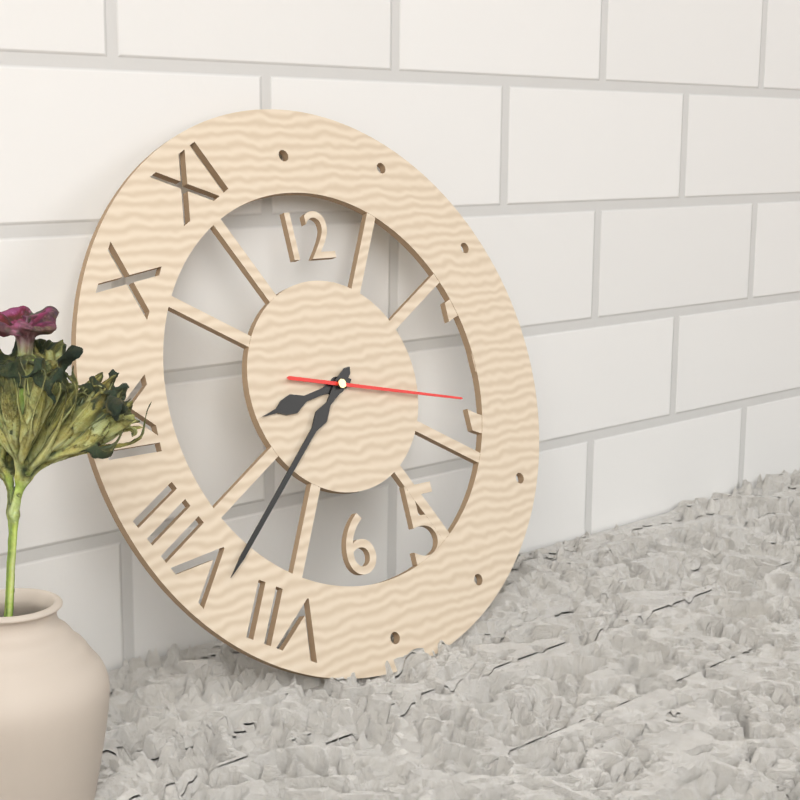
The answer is 8.38.17
